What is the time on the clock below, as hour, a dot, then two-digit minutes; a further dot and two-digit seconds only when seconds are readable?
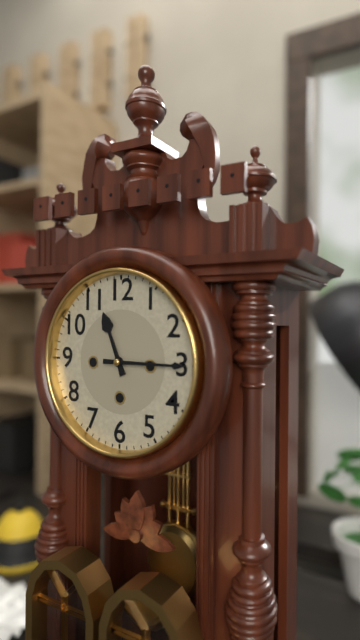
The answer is 11.15
